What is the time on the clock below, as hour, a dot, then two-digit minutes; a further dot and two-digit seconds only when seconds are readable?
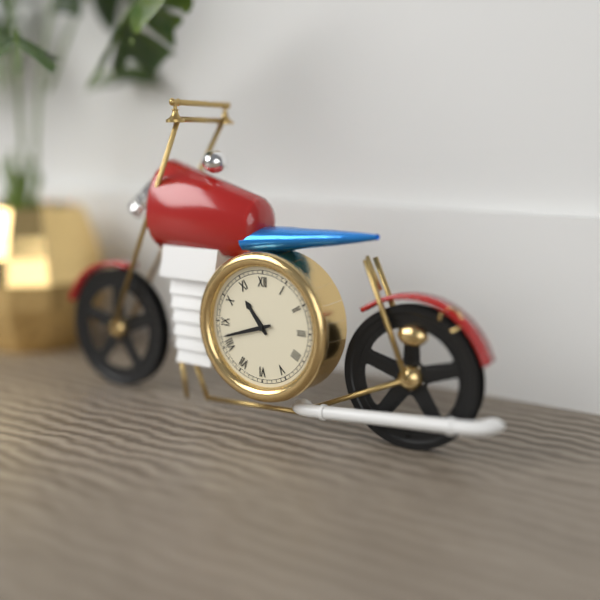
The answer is 10.42
